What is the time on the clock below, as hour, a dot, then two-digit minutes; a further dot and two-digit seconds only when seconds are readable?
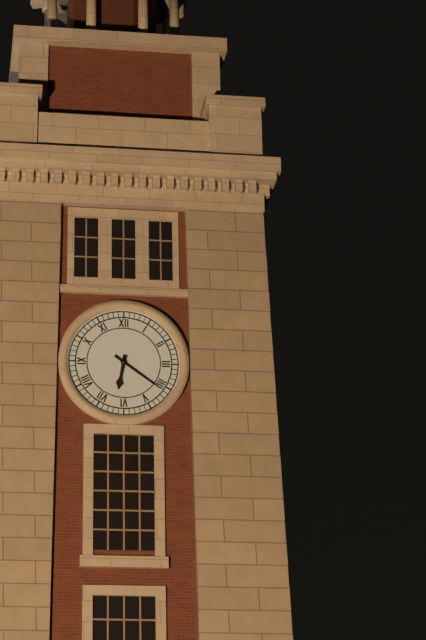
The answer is 6.21
